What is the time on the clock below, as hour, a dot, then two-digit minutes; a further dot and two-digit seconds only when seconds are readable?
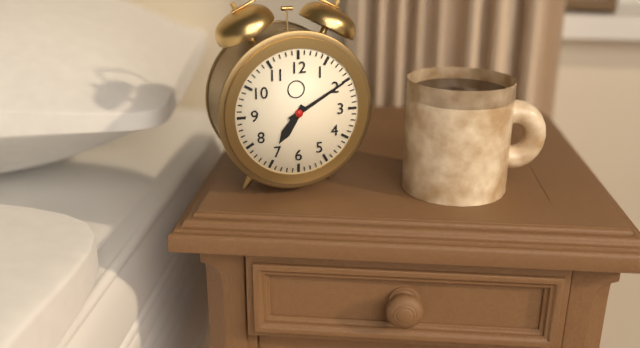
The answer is 7.10
